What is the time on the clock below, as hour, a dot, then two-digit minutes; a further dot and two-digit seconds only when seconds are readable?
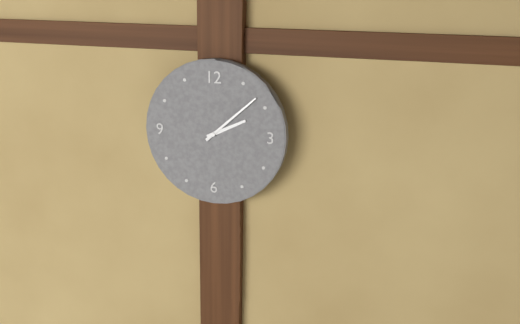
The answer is 2.08
